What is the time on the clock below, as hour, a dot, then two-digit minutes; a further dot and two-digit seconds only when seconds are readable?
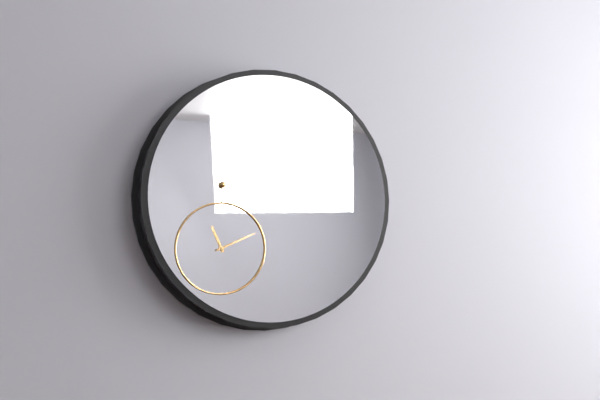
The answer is 11.11
